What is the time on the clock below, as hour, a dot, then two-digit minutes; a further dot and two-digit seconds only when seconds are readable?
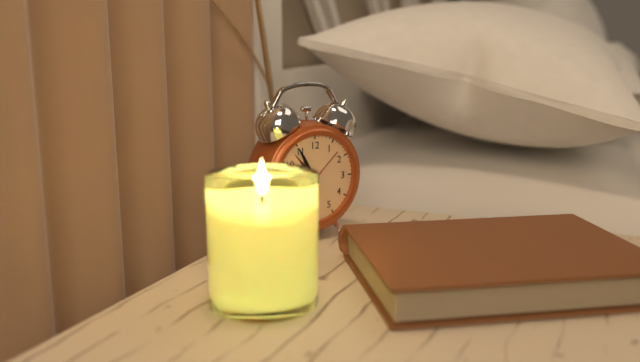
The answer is 10.55.38
